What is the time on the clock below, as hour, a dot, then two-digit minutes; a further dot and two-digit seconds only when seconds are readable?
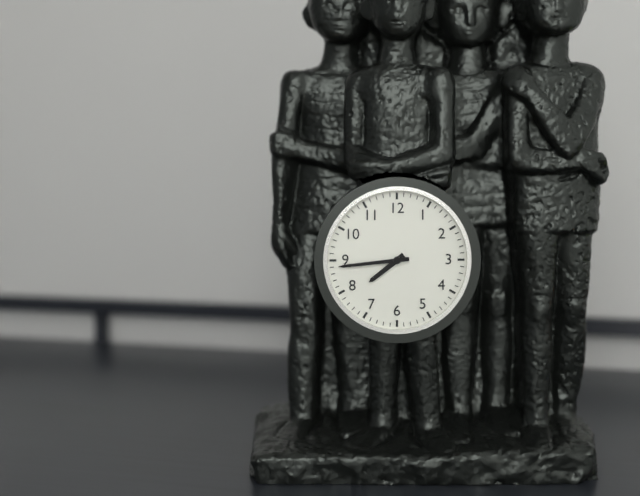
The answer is 7.44
